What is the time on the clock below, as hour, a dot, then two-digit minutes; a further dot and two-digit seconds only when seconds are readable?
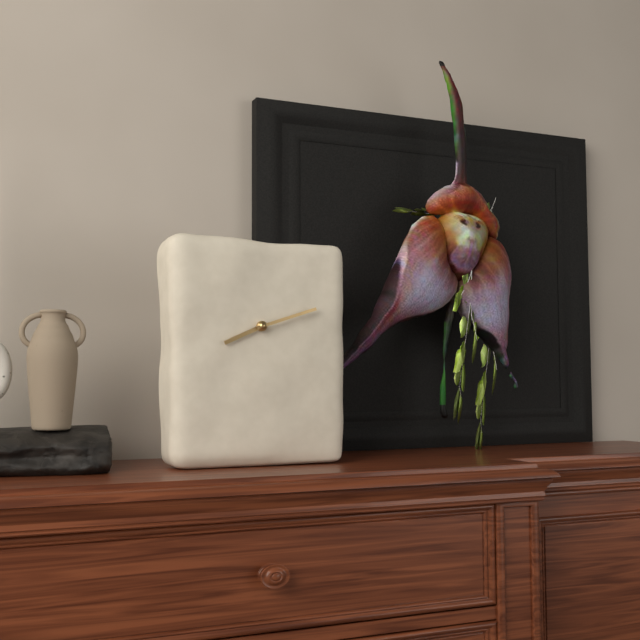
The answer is 8.12
